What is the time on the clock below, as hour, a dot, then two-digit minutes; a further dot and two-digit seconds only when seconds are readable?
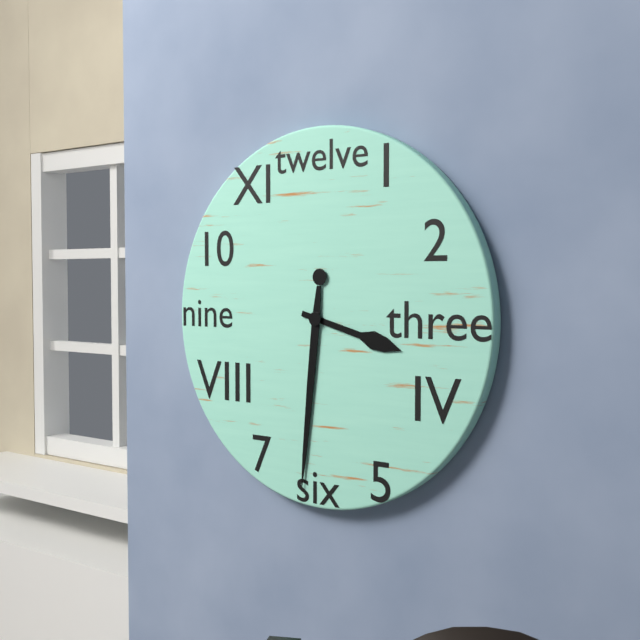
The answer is 3.31
